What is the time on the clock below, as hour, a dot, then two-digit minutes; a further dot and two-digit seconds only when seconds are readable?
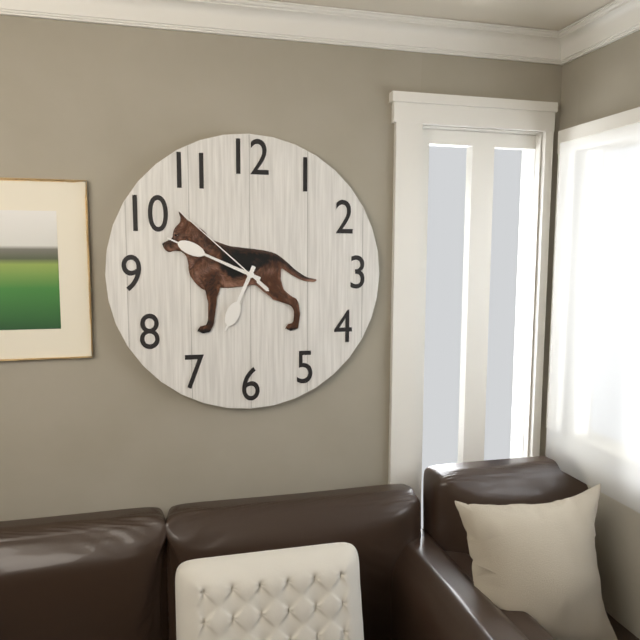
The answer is 6.49.52
